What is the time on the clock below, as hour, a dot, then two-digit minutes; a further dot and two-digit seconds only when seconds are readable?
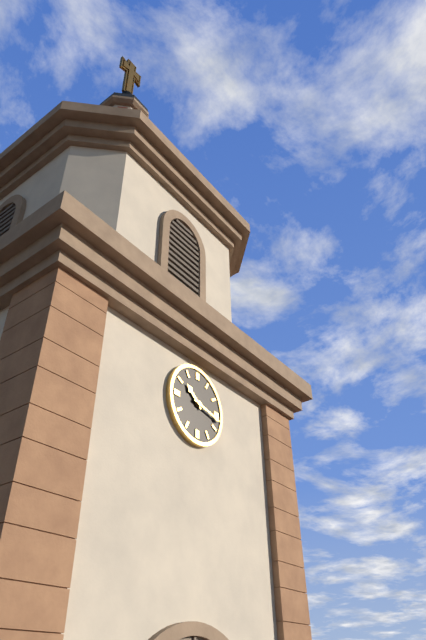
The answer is 10.17
